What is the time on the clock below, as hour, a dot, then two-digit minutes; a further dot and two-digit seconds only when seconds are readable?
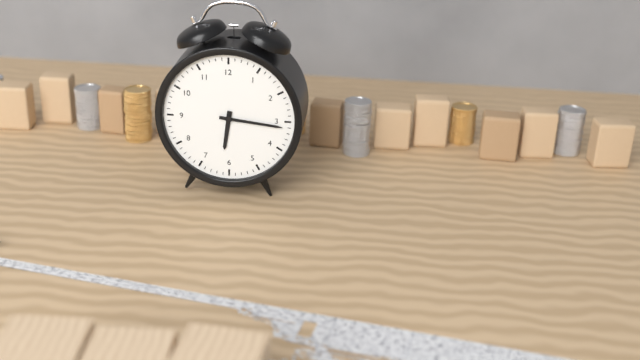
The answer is 6.16
